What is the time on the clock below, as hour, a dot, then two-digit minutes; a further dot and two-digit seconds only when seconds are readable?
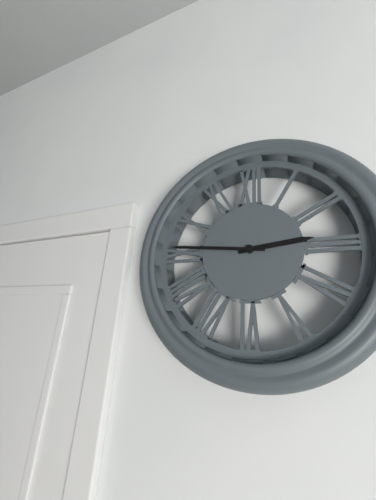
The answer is 2.46
